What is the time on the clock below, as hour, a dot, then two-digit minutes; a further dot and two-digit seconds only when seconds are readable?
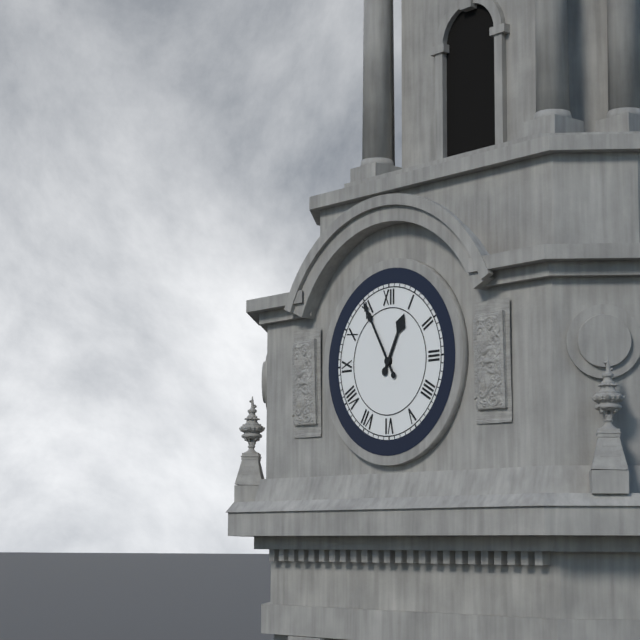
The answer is 12.55
